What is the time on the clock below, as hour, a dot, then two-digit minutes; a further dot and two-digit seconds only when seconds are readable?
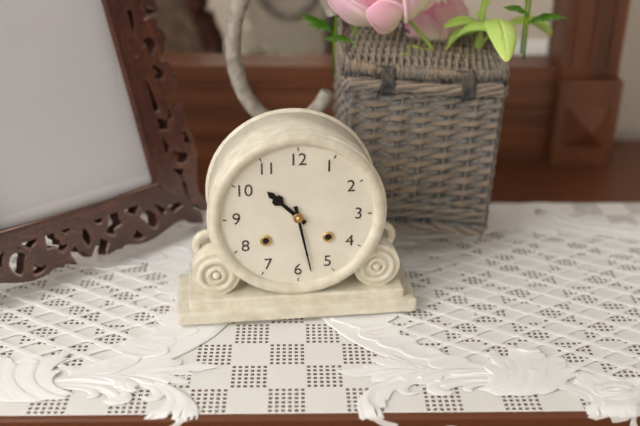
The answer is 10.28
